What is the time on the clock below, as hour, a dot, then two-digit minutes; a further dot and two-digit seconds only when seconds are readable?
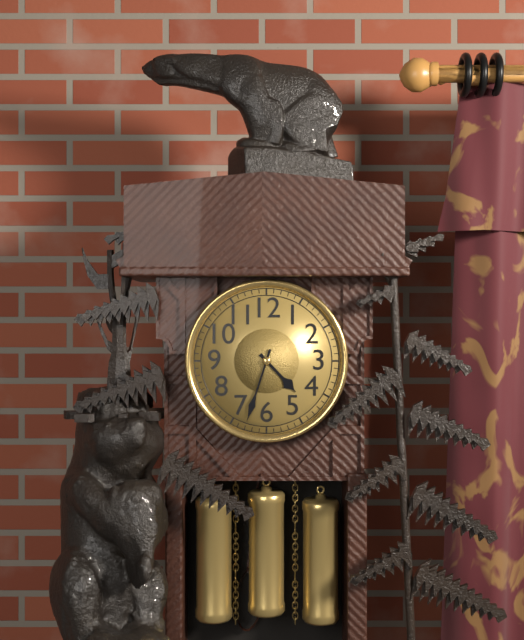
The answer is 4.33
